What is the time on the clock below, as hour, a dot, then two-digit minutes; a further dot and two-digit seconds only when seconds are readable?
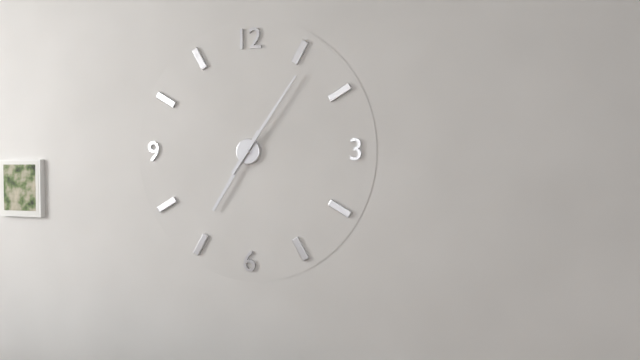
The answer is 7.06
